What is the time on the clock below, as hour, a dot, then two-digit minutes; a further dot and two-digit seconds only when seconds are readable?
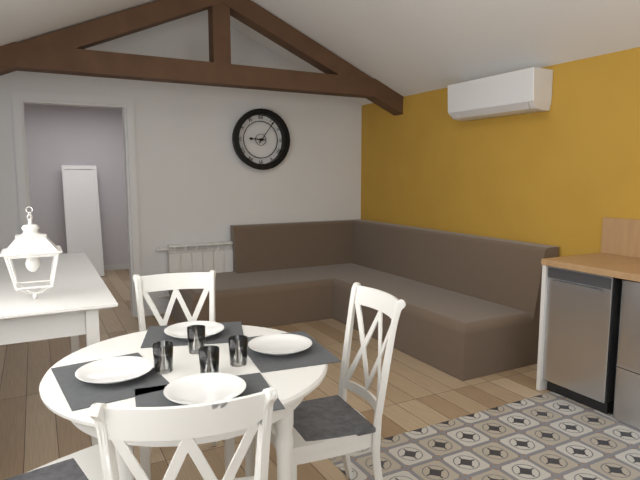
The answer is 9.06
